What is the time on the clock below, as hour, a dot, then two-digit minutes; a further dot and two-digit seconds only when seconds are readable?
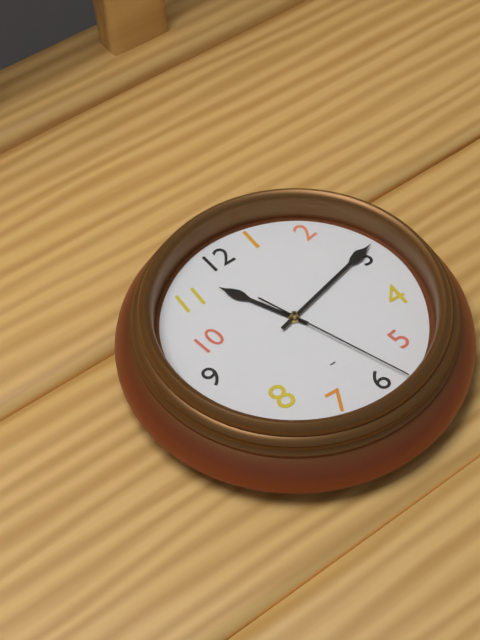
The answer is 11.13.27
